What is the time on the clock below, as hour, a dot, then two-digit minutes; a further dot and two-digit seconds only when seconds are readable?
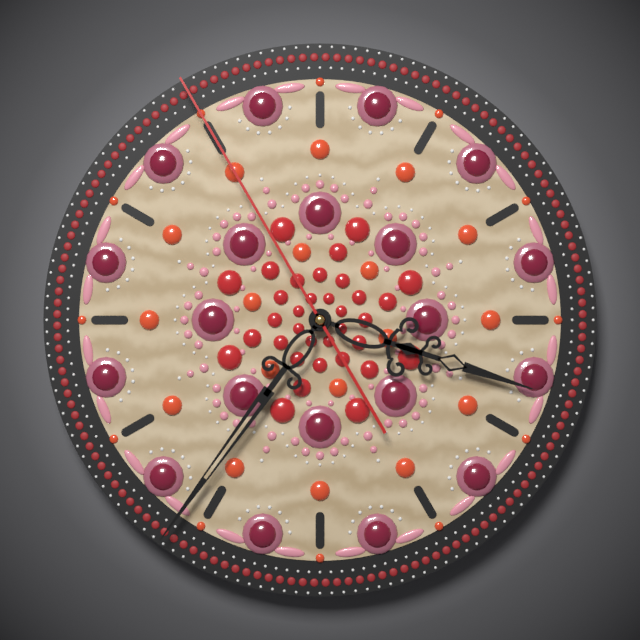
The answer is 3.36.55
